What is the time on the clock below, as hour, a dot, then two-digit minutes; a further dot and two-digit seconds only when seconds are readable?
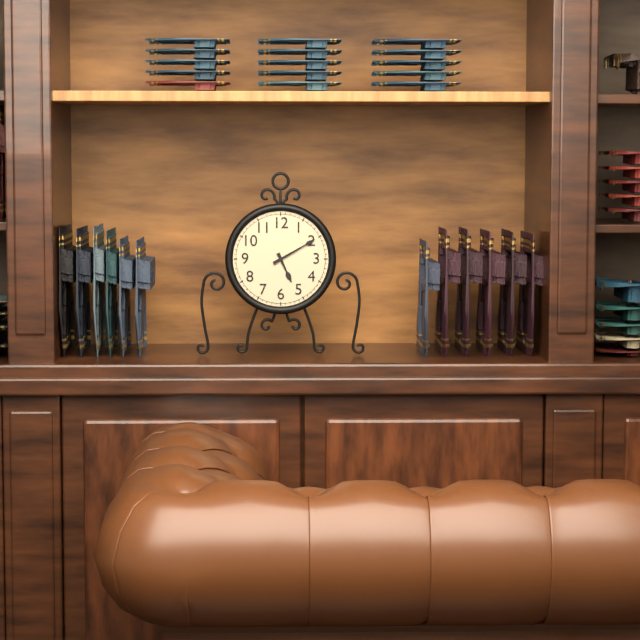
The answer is 5.10
